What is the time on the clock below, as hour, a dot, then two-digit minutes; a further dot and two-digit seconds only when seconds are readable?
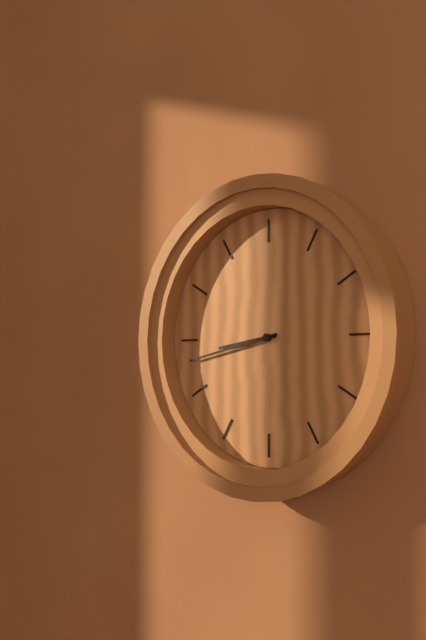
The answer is 8.43
